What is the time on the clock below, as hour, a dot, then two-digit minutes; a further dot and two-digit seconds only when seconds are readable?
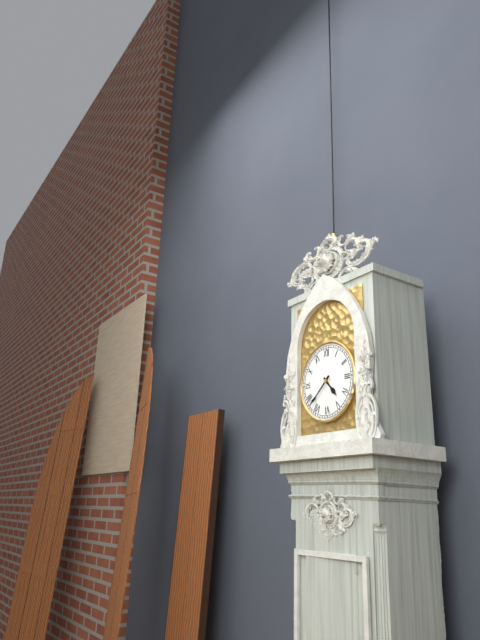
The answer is 4.38
